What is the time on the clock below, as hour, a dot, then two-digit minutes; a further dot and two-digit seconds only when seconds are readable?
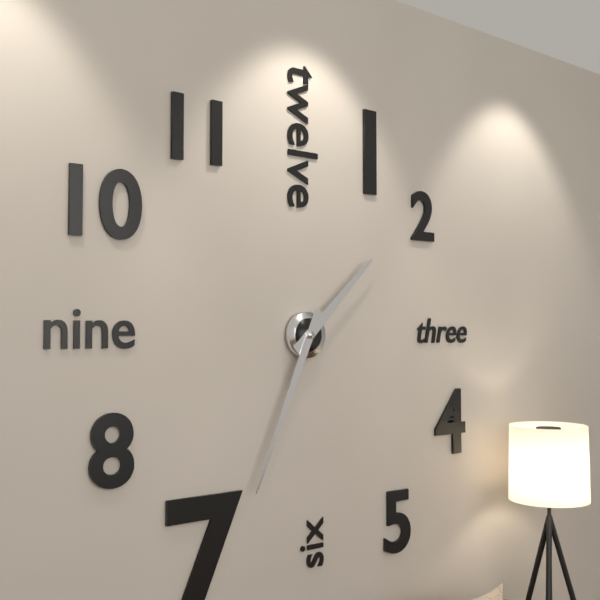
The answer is 1.34
